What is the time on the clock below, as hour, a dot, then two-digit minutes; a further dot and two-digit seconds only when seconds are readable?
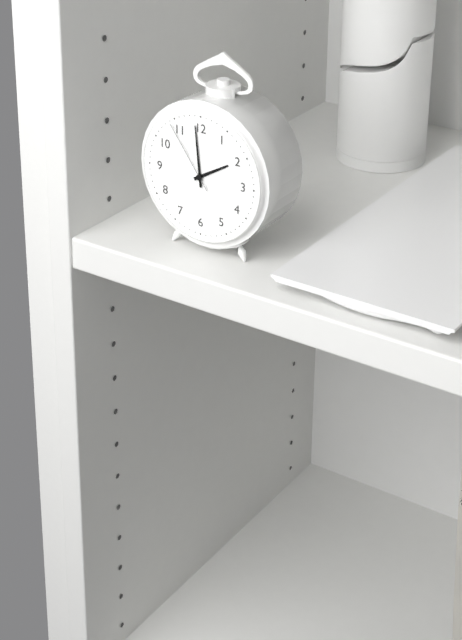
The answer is 1.59.54
